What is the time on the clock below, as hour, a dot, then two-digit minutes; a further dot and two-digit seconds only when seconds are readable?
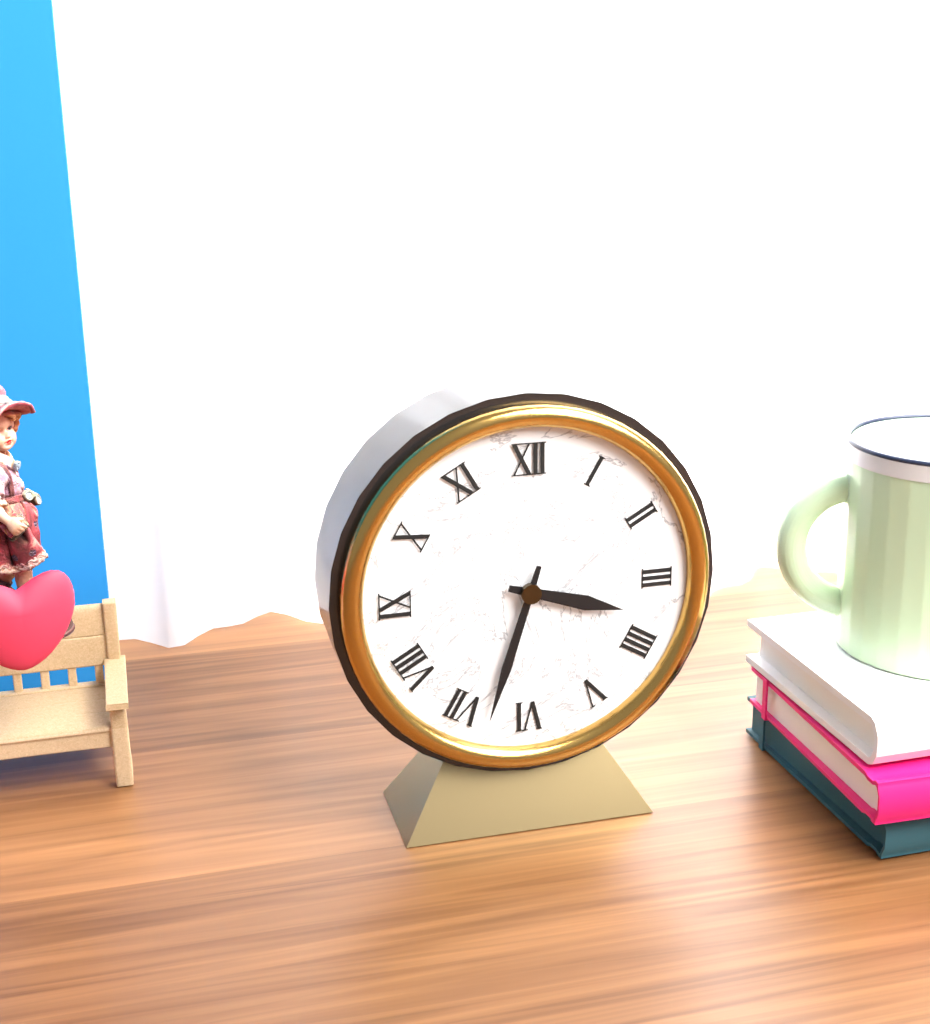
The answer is 3.33
